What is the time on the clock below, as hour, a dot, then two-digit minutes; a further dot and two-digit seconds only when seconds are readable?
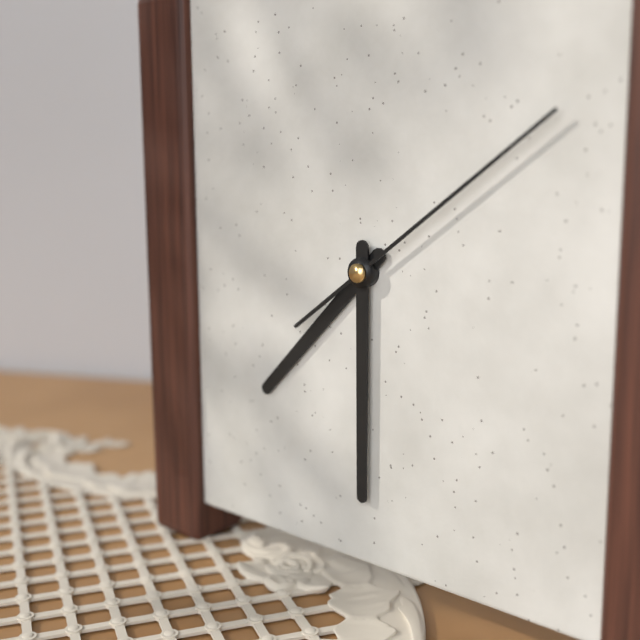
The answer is 7.30.09
